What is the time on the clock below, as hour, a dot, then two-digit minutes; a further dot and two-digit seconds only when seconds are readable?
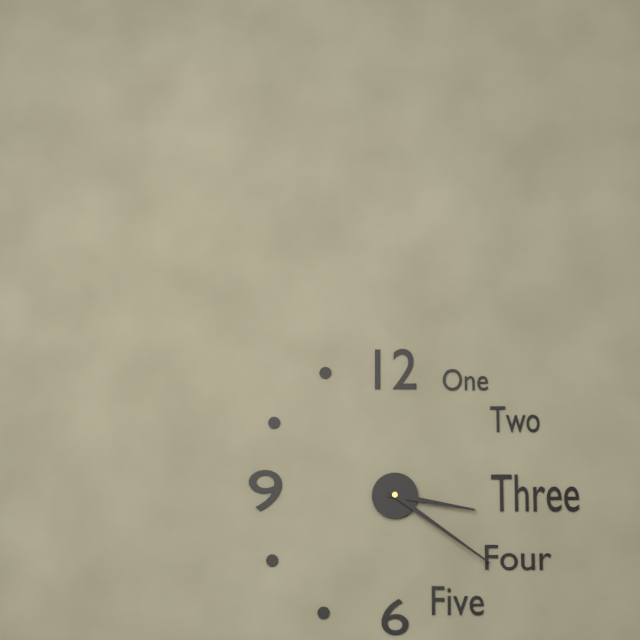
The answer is 3.21
